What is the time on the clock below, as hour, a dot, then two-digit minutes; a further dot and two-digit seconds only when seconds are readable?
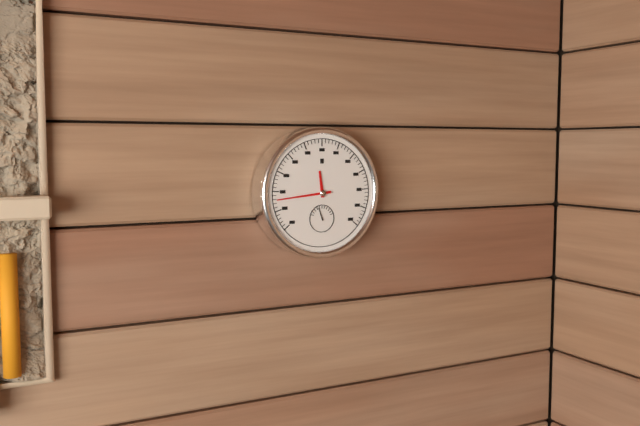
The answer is 11.44
